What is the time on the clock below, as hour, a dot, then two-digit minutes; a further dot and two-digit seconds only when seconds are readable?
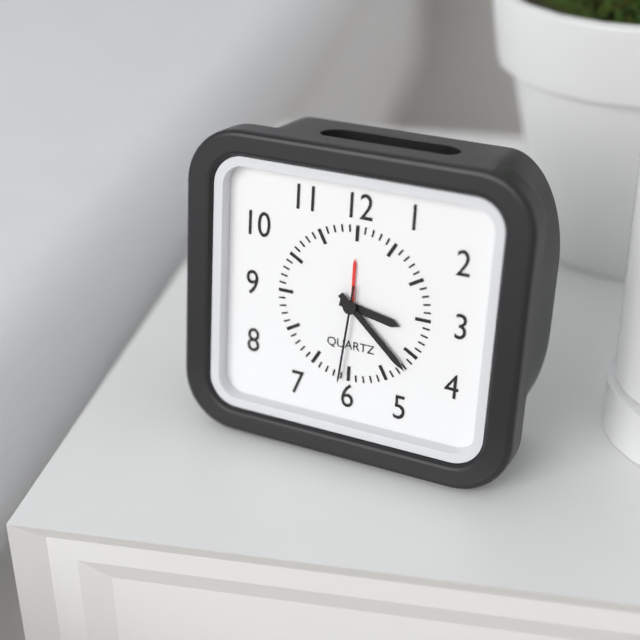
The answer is 3.22.31
